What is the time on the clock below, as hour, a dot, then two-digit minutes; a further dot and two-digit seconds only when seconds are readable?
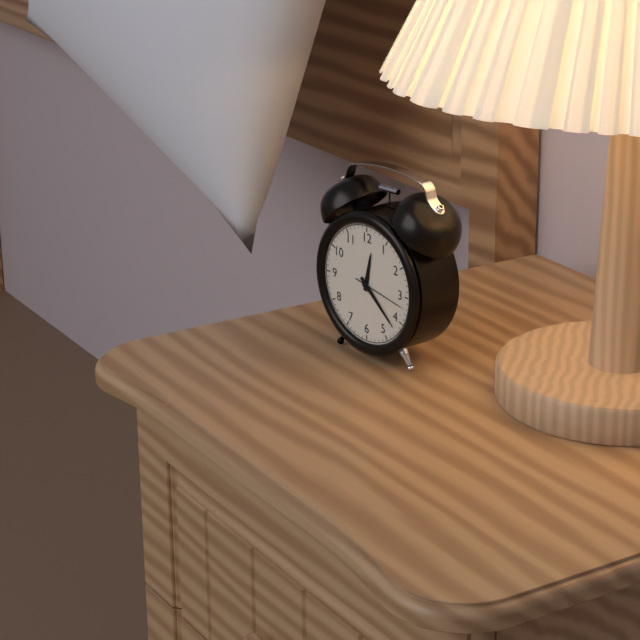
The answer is 12.22.17
